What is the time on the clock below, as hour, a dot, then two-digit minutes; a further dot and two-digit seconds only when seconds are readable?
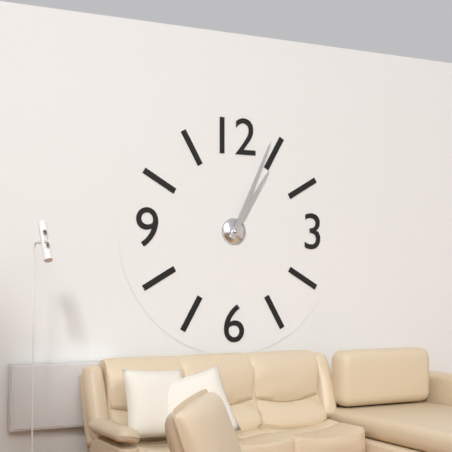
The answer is 1.04
